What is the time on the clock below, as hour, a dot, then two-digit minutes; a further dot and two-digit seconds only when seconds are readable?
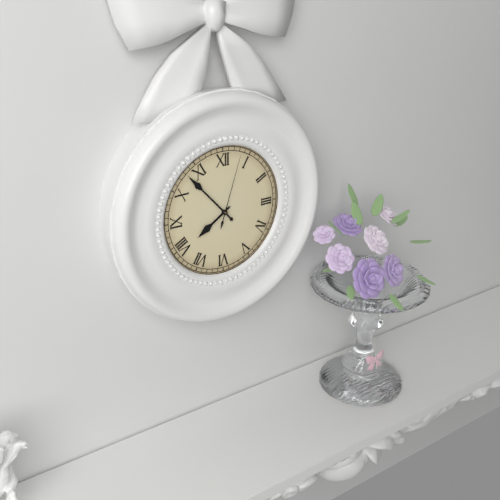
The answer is 7.53.03
